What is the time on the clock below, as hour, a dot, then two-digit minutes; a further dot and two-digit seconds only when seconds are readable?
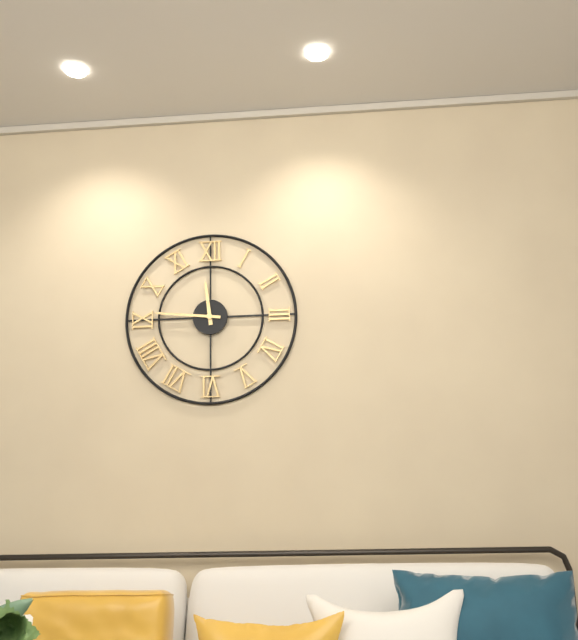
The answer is 11.46
